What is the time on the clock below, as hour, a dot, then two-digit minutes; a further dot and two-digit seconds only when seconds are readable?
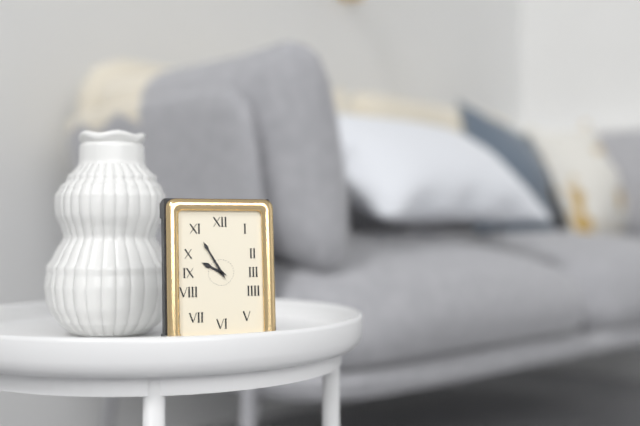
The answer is 9.55
